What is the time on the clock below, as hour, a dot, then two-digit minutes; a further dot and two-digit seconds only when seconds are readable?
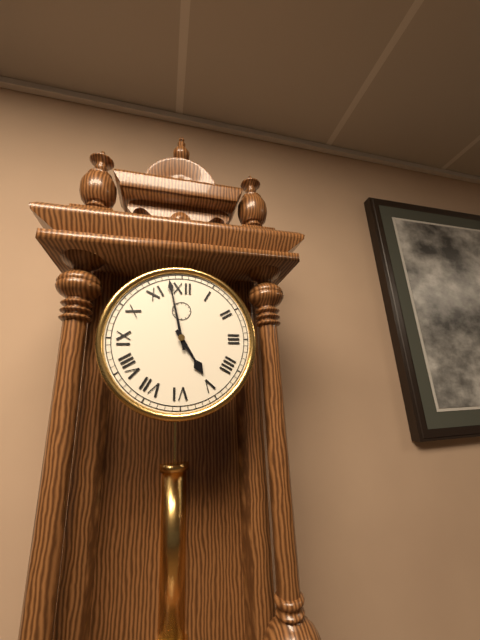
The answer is 4.58
